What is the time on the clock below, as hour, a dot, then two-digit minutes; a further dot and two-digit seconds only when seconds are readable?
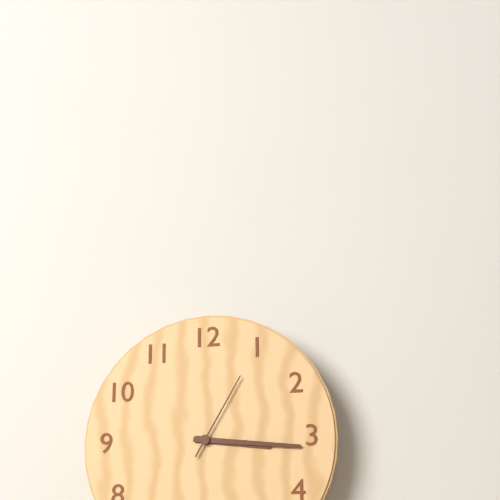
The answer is 3.16.05
